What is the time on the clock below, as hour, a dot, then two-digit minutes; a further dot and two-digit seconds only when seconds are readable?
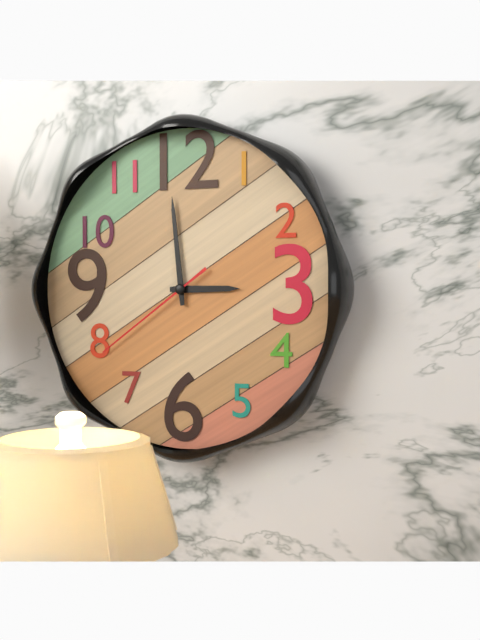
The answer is 2.59.39
